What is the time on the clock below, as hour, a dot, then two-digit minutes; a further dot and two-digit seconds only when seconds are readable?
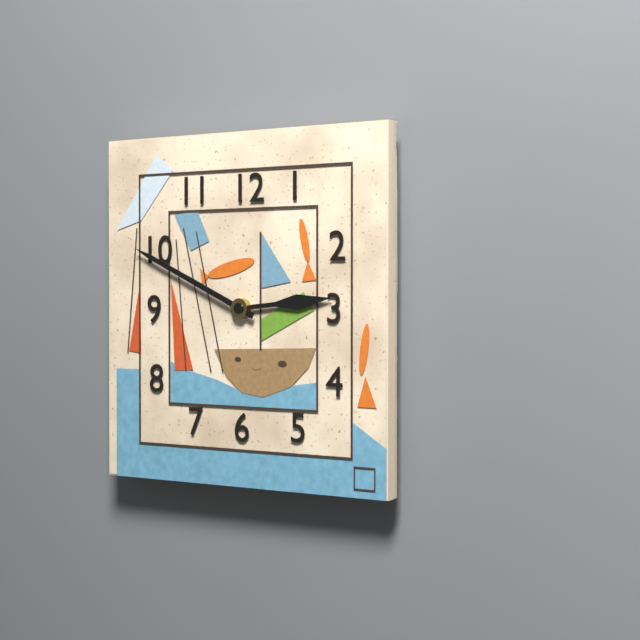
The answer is 2.49
